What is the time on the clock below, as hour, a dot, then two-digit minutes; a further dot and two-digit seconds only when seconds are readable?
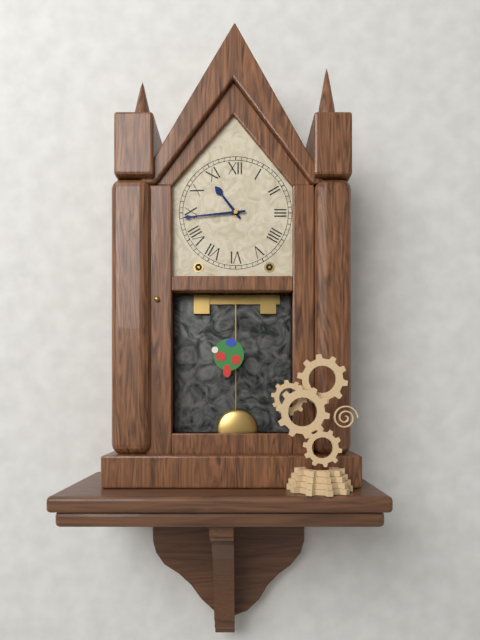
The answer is 10.44
